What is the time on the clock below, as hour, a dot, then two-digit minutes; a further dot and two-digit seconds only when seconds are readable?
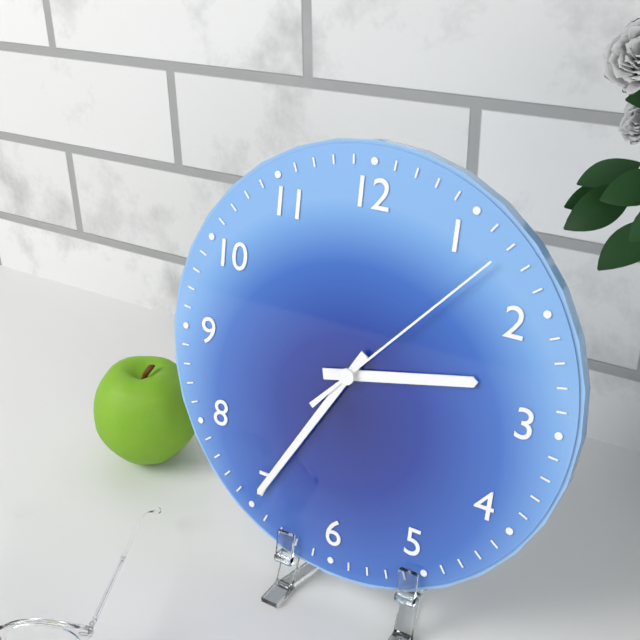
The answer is 2.35.07
